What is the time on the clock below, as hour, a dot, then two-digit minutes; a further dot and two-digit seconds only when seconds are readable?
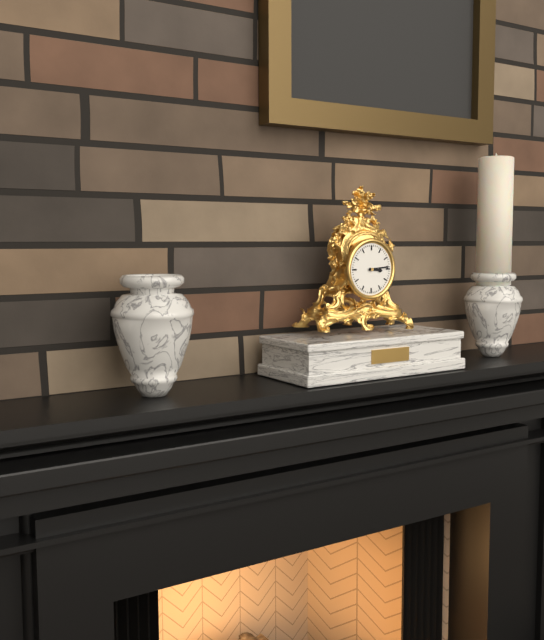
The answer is 3.14
